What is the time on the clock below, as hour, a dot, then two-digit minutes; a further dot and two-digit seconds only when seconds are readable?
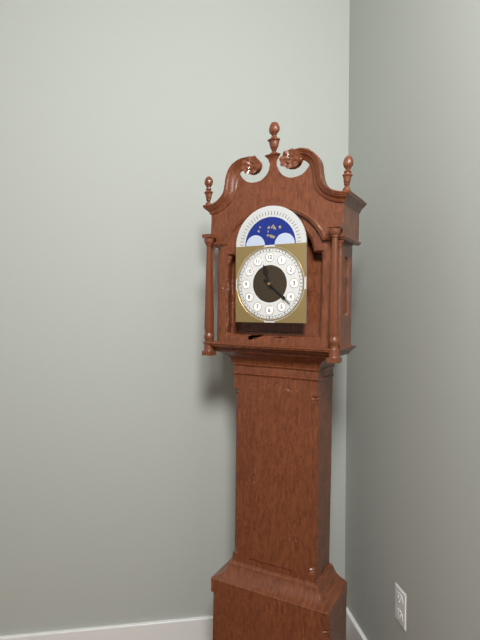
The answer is 11.22
